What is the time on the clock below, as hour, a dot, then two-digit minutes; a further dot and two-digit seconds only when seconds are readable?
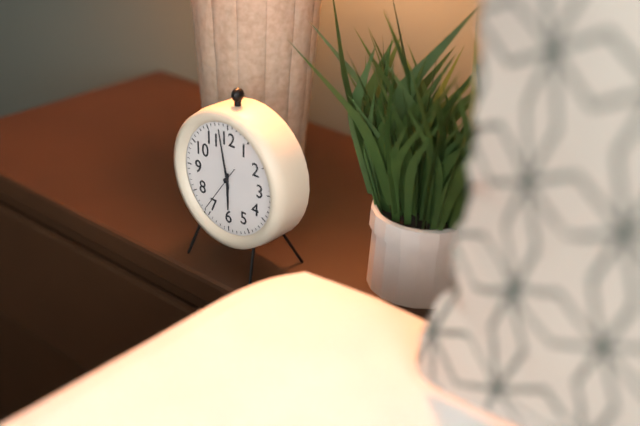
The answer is 5.58.36
